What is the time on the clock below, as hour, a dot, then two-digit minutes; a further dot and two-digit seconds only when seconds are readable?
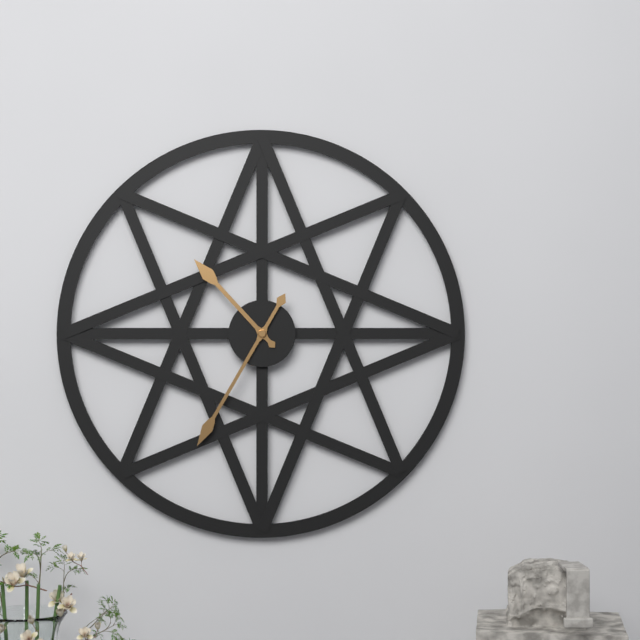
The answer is 10.35
